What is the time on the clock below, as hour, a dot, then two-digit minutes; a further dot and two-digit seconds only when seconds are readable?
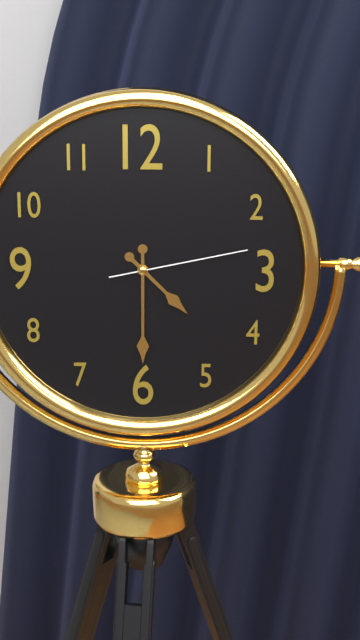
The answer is 4.30.13
